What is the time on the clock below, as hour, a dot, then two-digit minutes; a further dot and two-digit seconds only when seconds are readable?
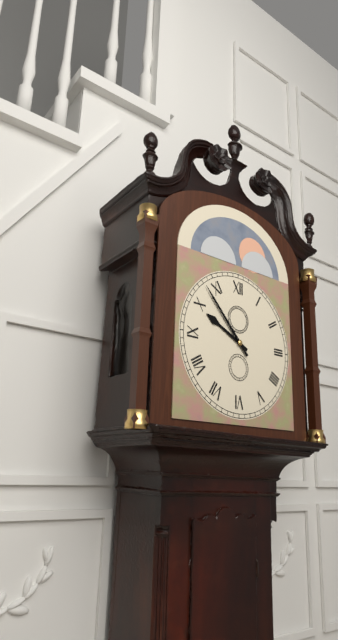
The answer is 9.53
